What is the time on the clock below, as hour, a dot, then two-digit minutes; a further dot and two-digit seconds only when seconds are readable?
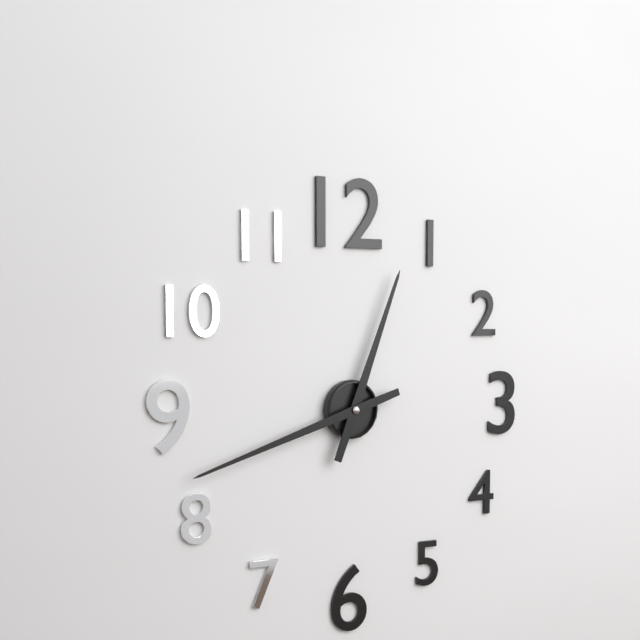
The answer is 12.42
